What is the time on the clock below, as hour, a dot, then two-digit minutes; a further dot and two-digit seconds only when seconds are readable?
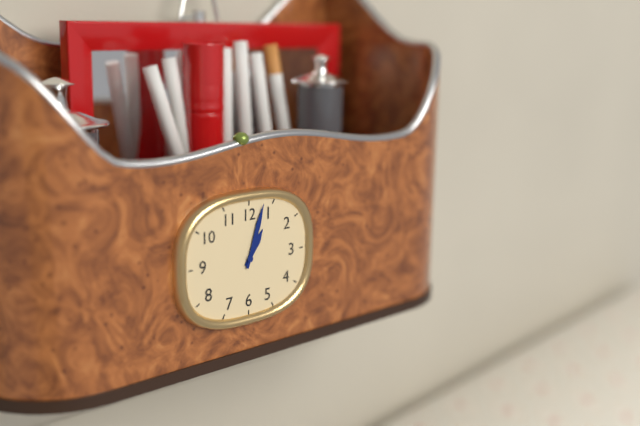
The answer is 1.03
